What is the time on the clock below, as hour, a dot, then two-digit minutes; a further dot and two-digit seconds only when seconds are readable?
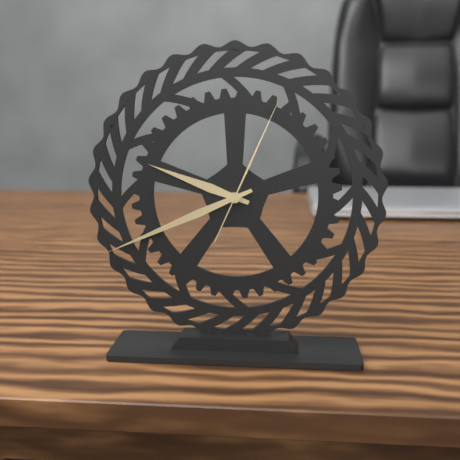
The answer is 9.41.04
